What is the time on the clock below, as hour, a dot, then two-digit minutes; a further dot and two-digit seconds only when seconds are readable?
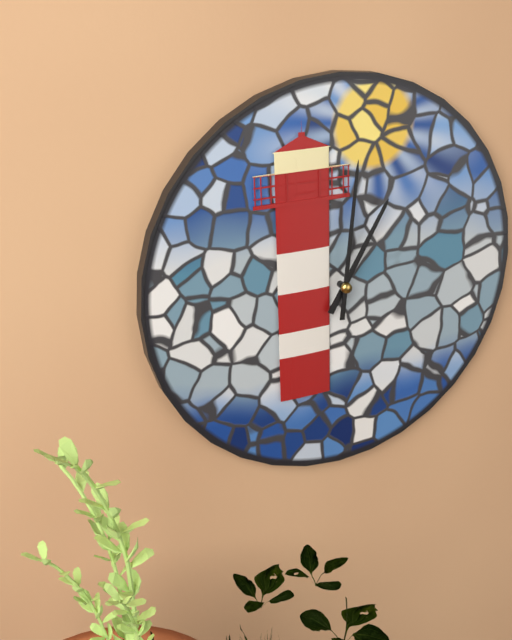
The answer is 1.01
